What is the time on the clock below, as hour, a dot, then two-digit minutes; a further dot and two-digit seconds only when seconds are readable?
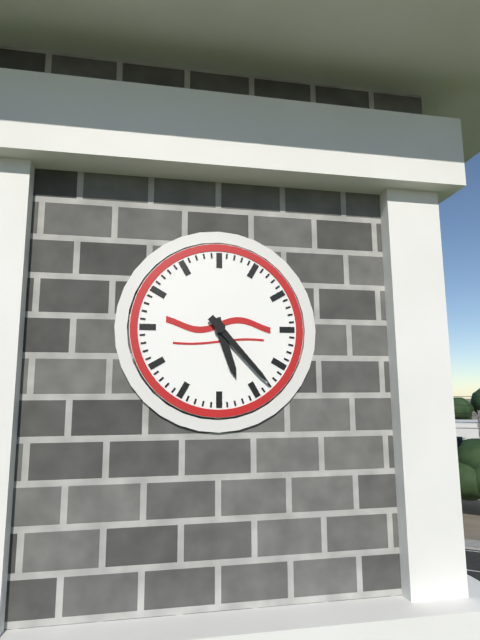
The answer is 5.23
